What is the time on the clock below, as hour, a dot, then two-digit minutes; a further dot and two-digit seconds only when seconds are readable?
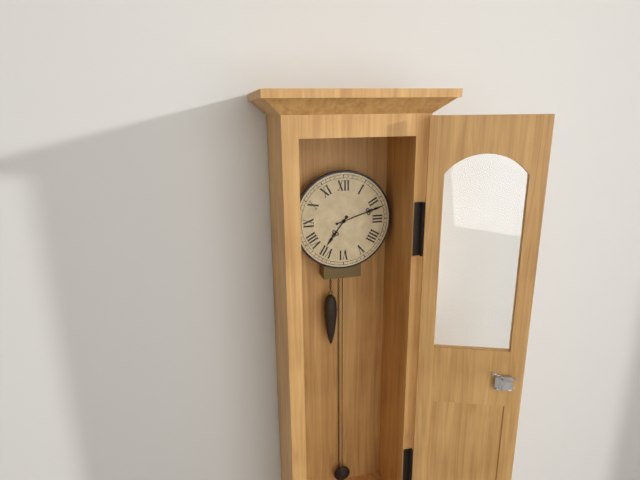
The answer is 7.12
